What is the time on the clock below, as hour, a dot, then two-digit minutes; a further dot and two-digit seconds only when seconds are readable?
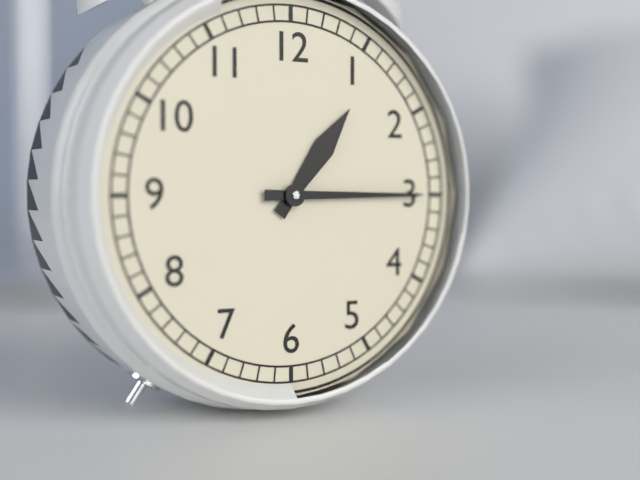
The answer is 1.15
